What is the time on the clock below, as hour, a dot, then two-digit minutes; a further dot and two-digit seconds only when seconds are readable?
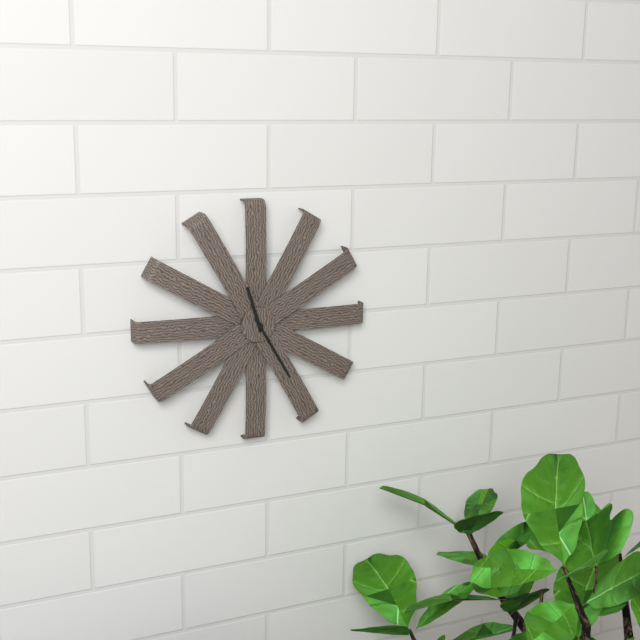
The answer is 11.25
